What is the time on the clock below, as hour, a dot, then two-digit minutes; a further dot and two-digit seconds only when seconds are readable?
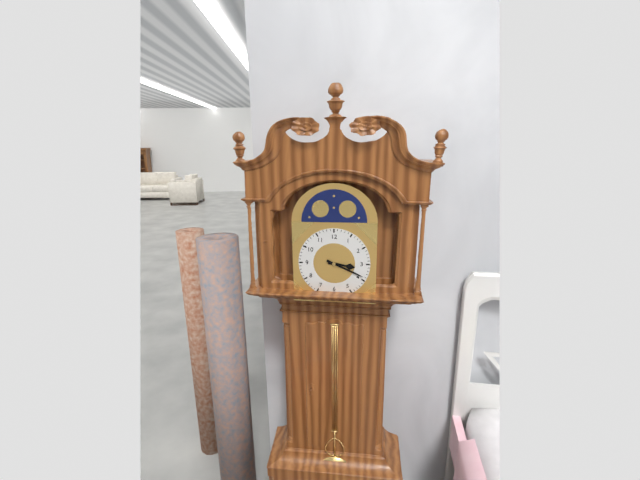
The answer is 3.19
